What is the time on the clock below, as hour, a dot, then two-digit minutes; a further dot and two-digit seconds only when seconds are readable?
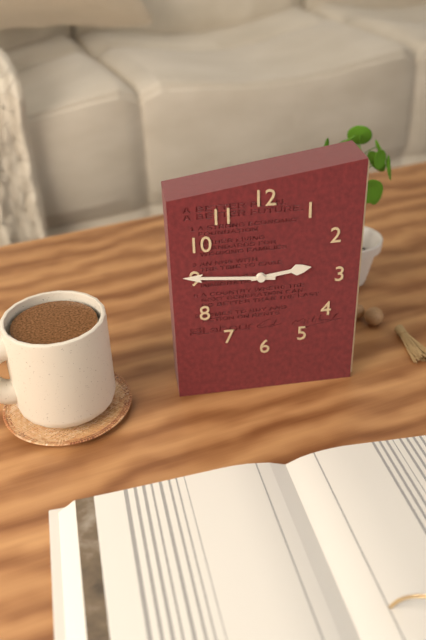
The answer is 2.46
